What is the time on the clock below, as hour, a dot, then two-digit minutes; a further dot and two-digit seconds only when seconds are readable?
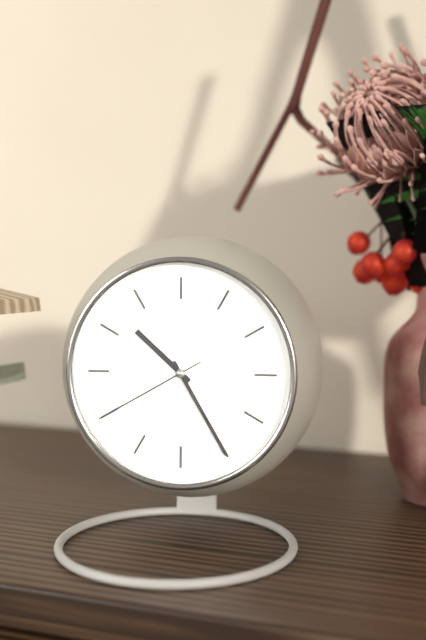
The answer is 10.25.40
